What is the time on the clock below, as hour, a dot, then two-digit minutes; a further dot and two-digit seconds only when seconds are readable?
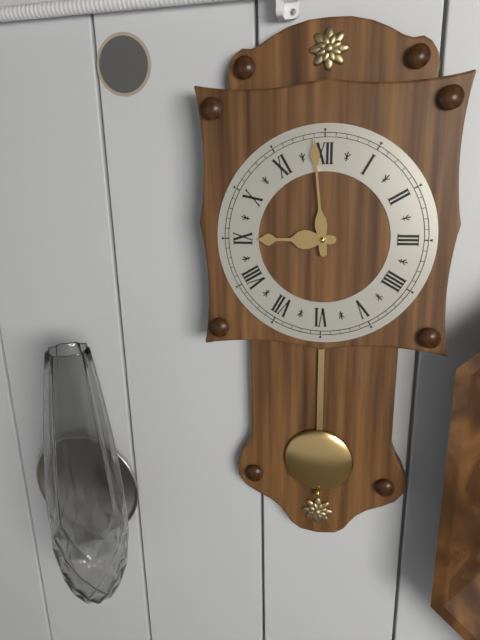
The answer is 8.59
